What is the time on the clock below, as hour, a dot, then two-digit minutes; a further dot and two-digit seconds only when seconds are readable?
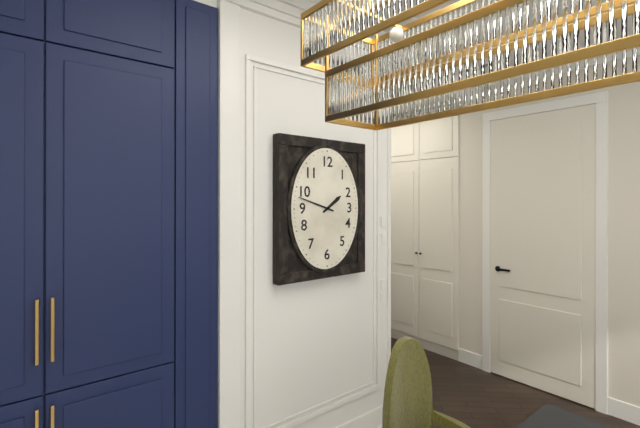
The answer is 1.48
